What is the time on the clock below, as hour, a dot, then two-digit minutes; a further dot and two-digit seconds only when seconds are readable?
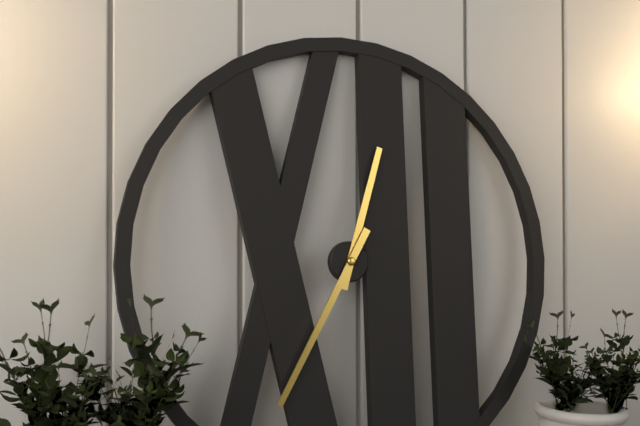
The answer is 12.35
